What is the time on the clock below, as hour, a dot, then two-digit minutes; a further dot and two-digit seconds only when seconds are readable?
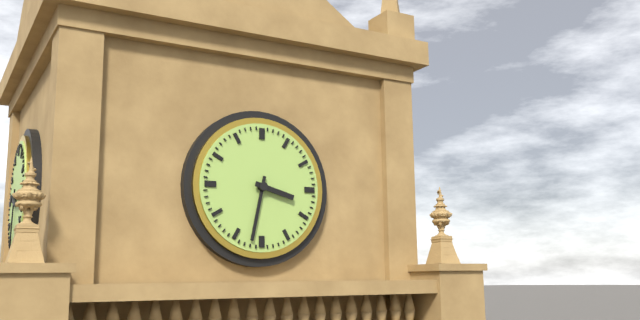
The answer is 3.32
